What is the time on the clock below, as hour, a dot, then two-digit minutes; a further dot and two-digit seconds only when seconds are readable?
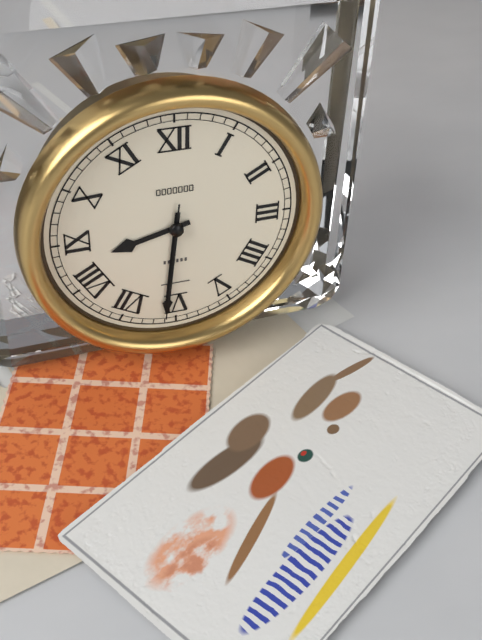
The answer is 8.31.31
